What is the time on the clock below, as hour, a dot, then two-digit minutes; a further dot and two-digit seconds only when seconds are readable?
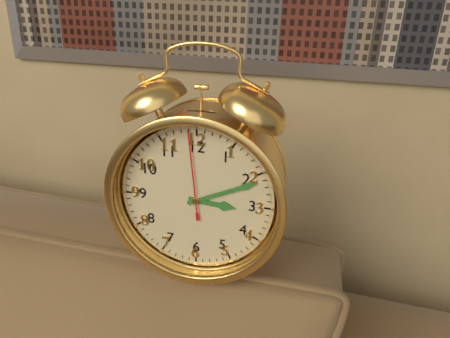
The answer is 3.11.59
